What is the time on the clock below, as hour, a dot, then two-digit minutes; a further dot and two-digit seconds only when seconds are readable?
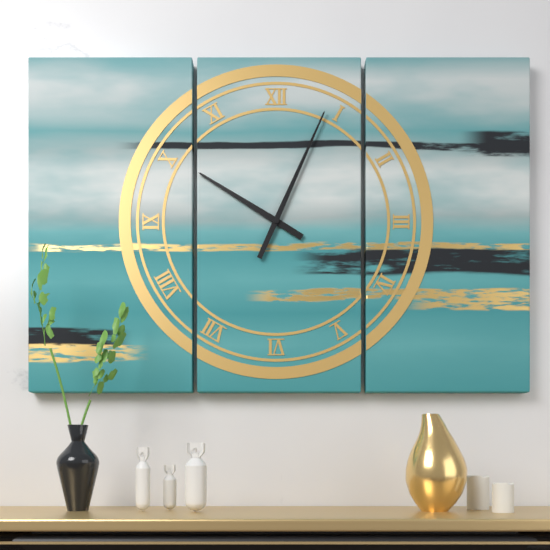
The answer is 10.04
